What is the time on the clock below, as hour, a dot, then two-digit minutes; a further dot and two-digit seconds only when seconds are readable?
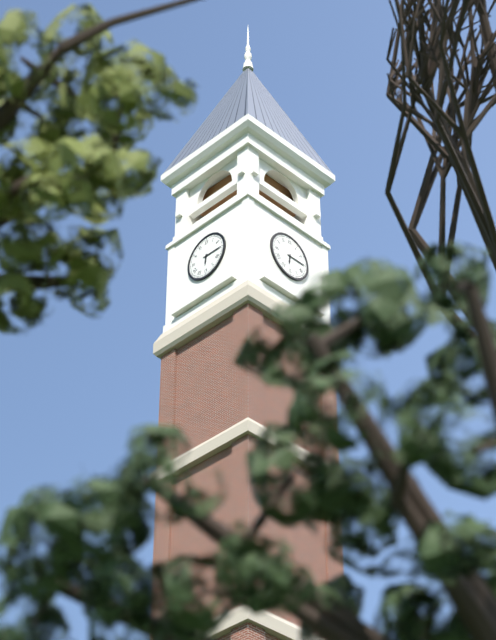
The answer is 6.15
